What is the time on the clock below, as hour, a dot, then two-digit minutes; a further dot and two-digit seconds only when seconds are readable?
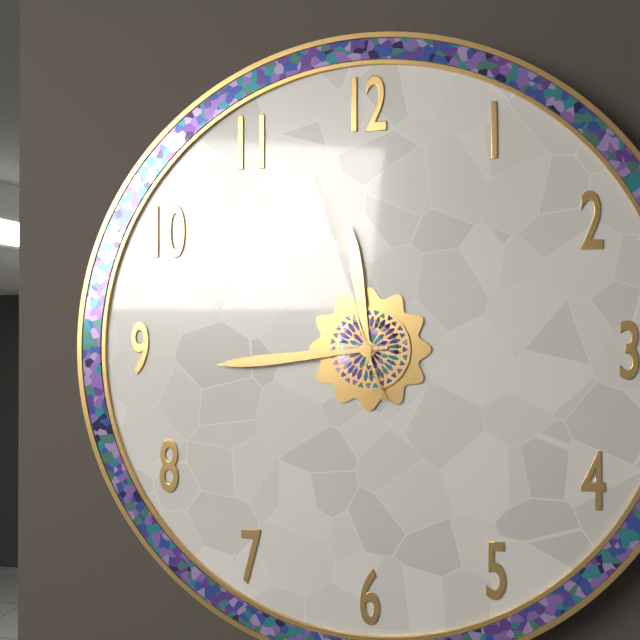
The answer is 11.44.57
